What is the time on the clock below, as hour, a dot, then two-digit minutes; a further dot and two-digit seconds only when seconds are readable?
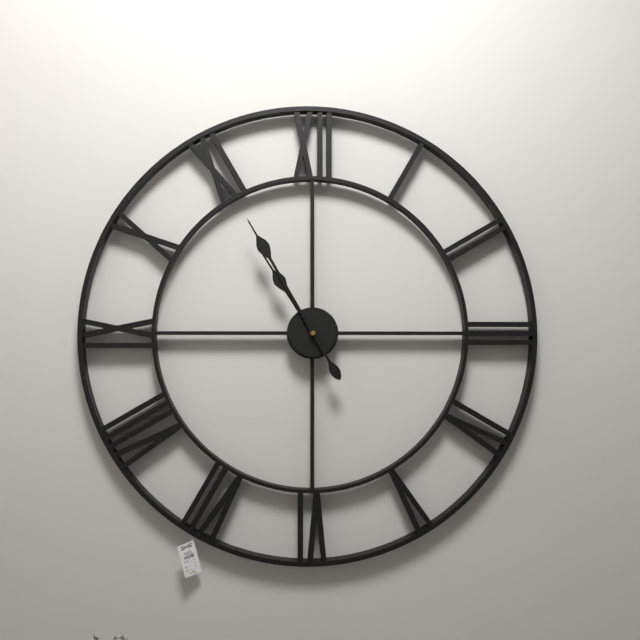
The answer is 10.55
